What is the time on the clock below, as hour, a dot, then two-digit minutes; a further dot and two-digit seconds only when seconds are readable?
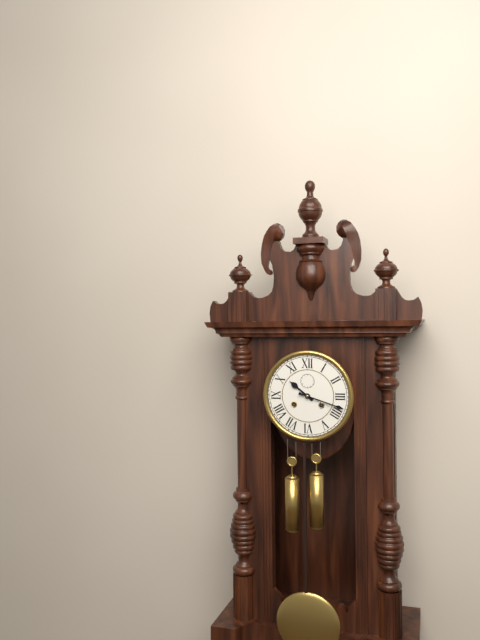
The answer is 10.18
